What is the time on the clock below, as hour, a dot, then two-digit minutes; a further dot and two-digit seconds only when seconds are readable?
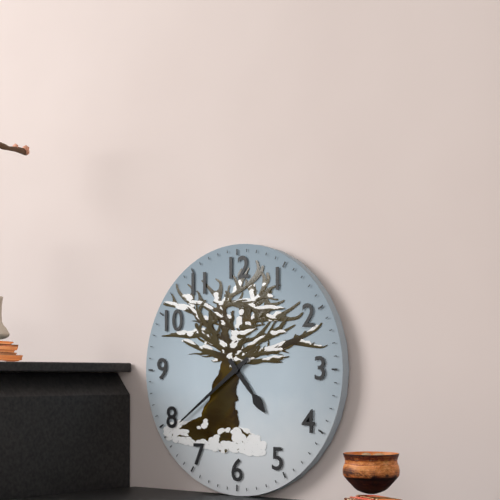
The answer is 4.39
